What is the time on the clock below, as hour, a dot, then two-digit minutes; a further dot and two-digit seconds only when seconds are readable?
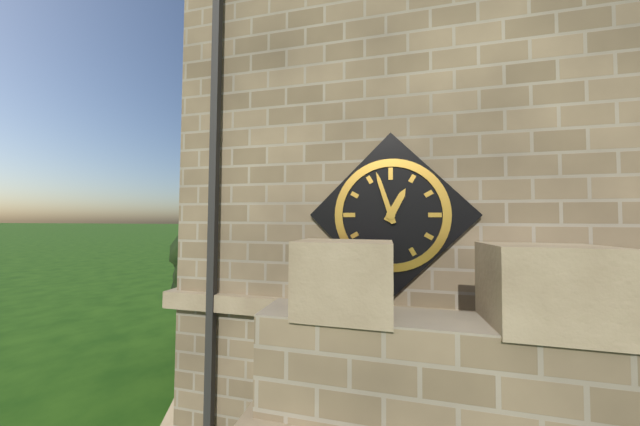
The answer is 12.57
